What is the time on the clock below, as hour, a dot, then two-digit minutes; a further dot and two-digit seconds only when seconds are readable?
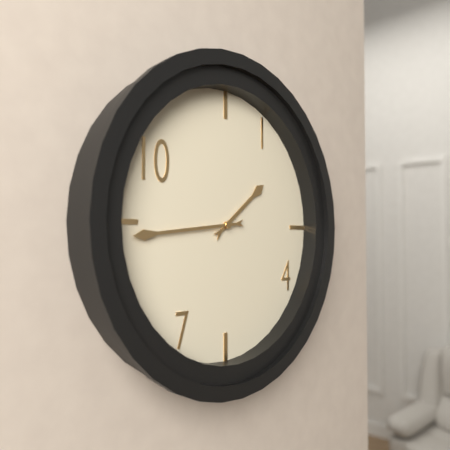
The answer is 1.44
